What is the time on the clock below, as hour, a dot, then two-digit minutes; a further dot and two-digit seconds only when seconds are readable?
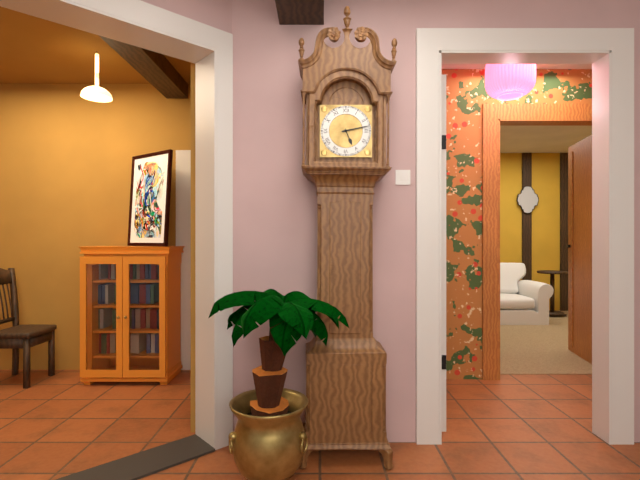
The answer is 5.13
